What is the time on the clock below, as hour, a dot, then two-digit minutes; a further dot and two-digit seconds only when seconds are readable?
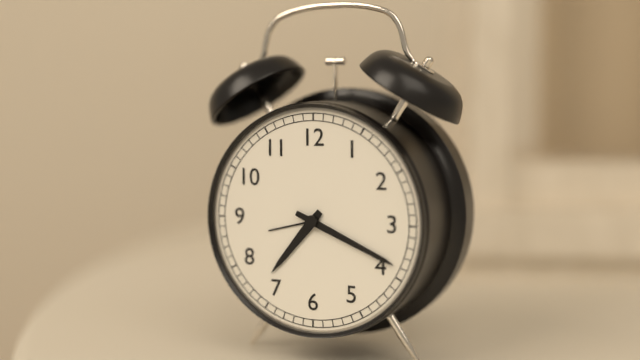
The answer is 7.19
